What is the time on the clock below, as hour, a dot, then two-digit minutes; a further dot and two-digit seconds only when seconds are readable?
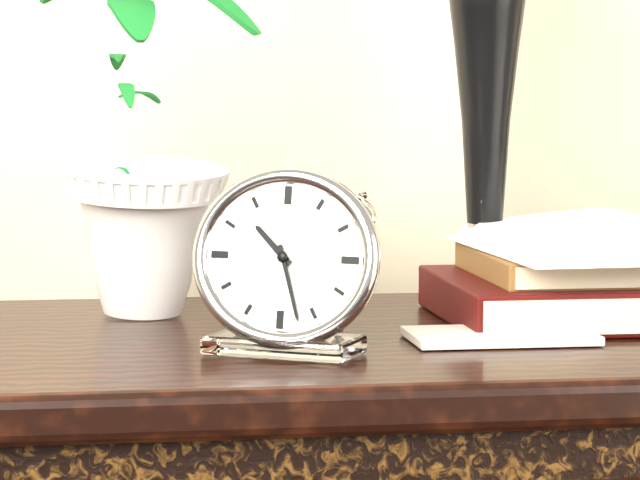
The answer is 10.27
